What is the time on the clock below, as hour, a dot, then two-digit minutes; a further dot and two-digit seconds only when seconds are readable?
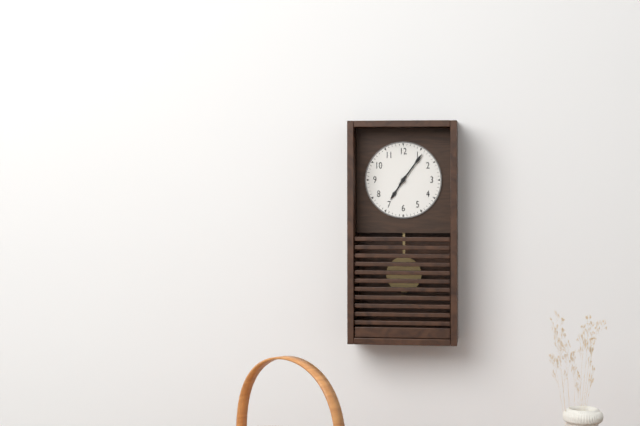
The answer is 7.06
